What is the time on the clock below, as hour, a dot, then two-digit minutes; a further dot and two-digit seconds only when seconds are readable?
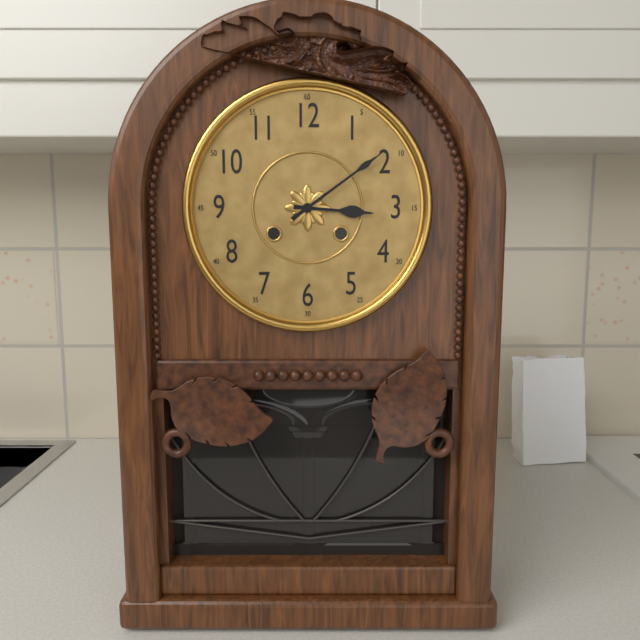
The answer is 3.09
